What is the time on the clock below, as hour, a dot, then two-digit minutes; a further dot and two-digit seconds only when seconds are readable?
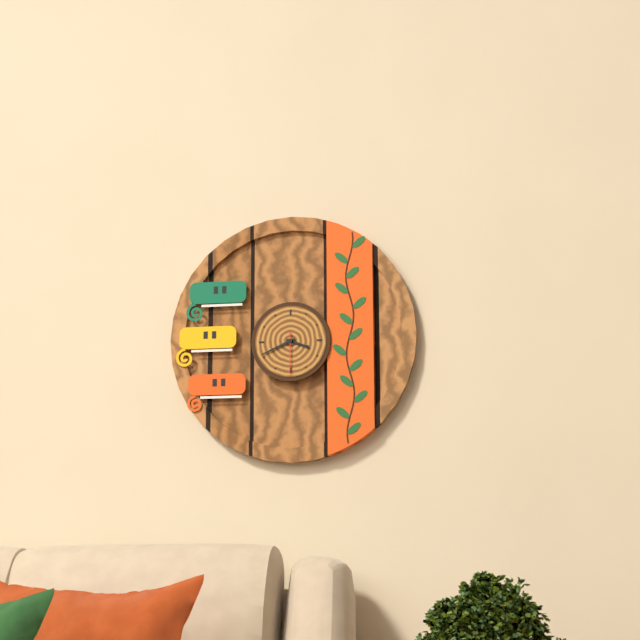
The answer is 3.41
